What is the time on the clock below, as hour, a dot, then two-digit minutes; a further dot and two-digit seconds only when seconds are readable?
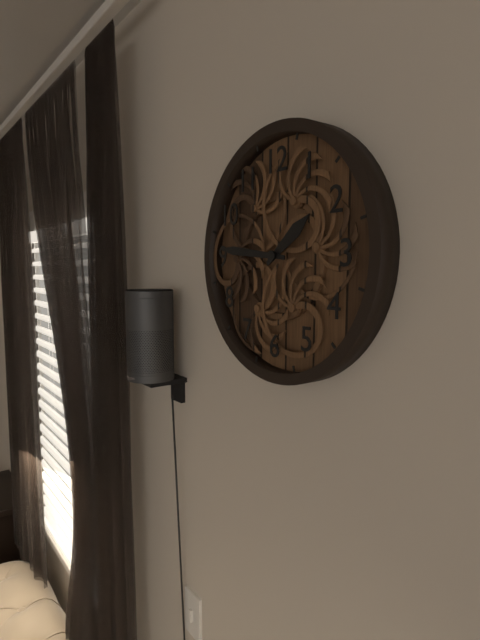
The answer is 1.46
